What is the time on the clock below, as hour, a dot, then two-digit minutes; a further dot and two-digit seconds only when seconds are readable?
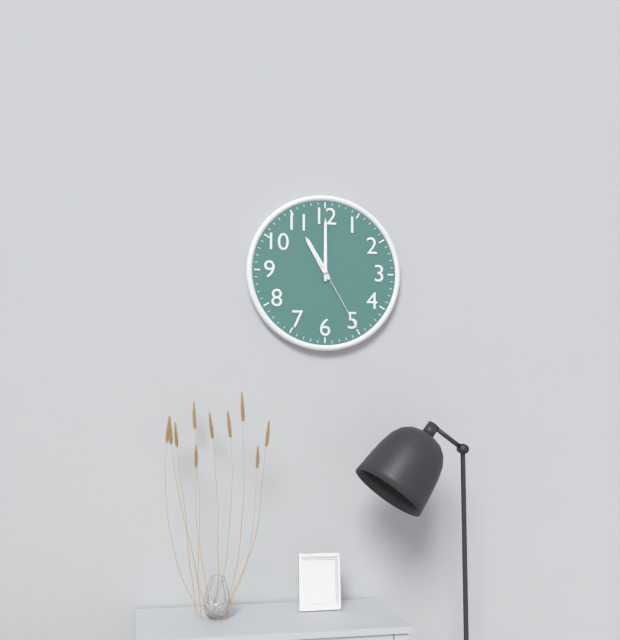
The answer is 11.00.25
